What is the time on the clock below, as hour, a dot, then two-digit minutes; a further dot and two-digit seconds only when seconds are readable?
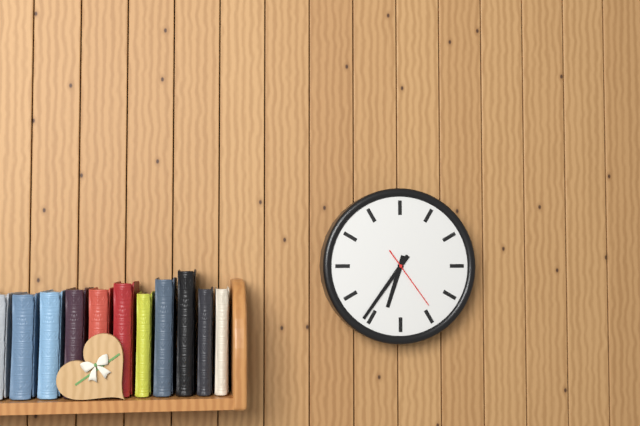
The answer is 6.36.24
